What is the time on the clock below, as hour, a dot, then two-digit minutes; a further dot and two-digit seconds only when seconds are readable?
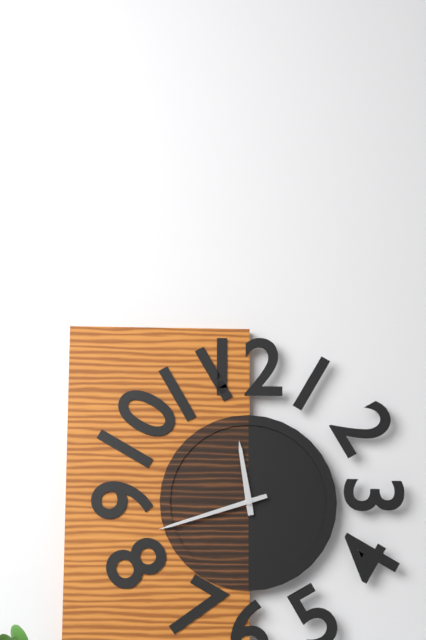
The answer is 11.42
